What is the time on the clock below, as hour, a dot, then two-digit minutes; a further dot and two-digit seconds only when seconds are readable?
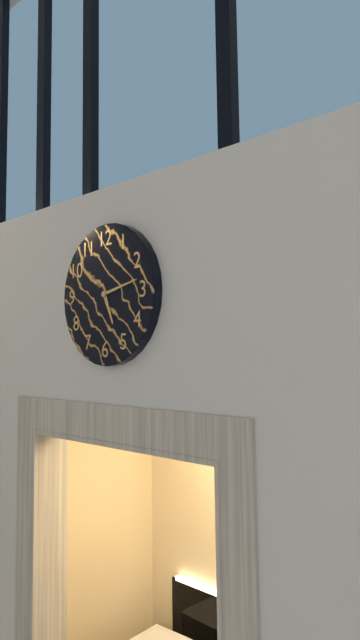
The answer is 5.13
